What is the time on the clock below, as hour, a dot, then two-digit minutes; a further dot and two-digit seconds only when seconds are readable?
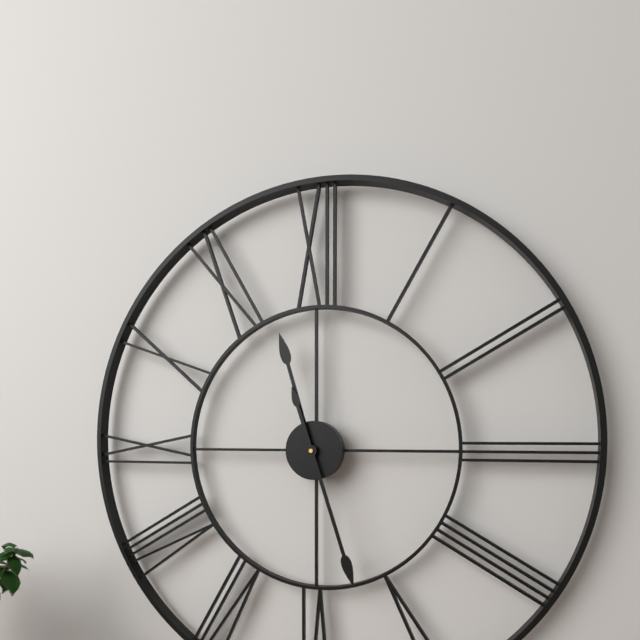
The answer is 11.27
